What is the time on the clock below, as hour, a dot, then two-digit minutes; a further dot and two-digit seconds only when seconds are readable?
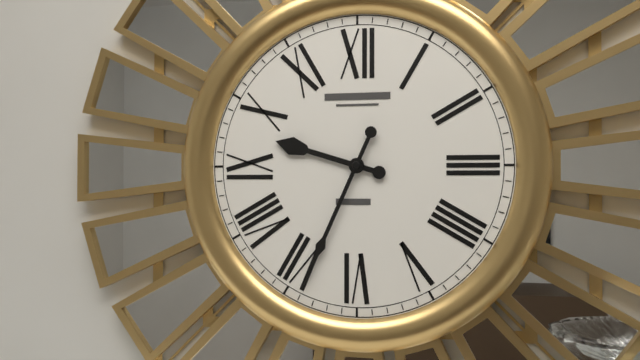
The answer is 9.34
